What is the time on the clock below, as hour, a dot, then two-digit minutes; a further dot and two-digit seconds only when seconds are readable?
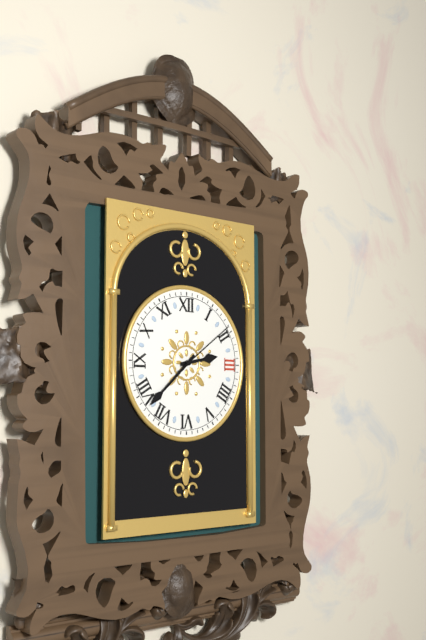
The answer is 2.38.09
